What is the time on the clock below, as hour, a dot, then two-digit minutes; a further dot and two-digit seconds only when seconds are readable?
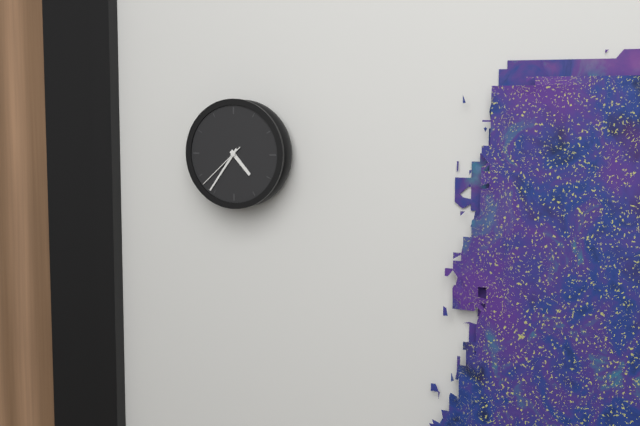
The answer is 4.36.38
